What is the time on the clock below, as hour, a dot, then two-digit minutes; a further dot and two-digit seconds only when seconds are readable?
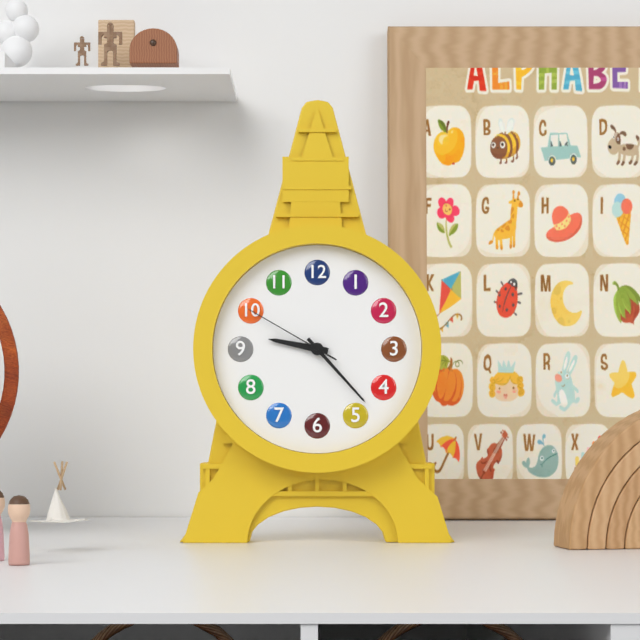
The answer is 9.23.50
